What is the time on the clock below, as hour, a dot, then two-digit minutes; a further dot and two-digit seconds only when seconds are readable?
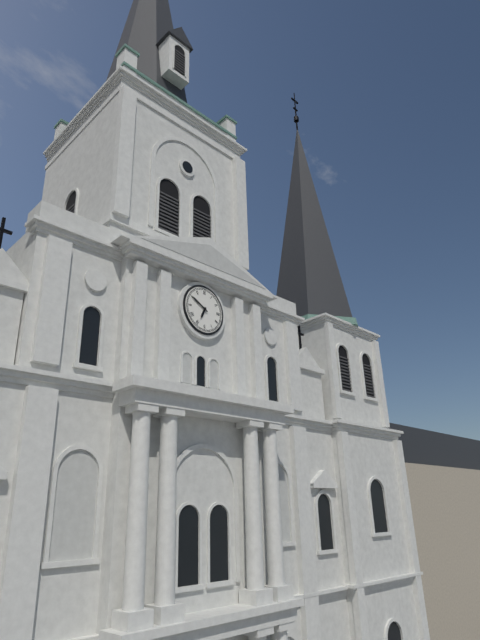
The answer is 6.50
